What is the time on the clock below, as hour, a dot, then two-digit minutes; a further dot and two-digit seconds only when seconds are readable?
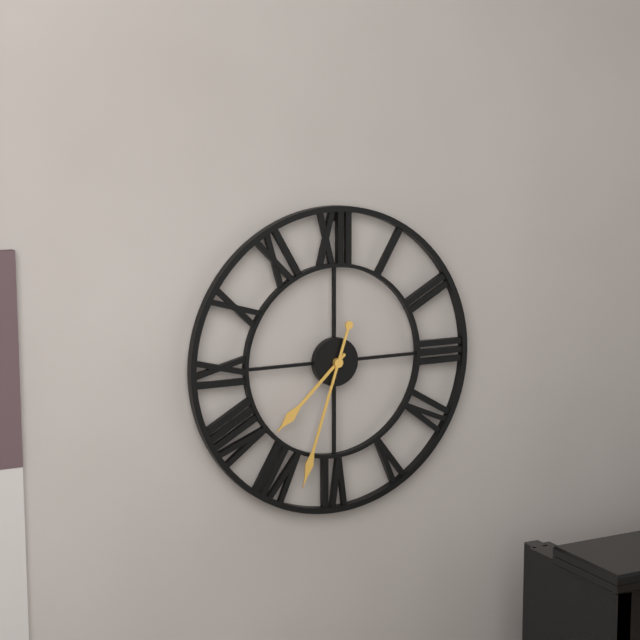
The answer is 7.33
